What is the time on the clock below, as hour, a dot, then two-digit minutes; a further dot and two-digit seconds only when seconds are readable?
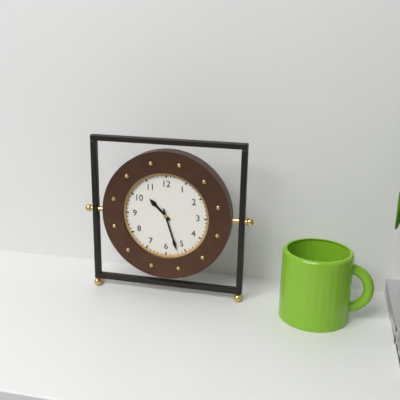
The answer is 10.27
